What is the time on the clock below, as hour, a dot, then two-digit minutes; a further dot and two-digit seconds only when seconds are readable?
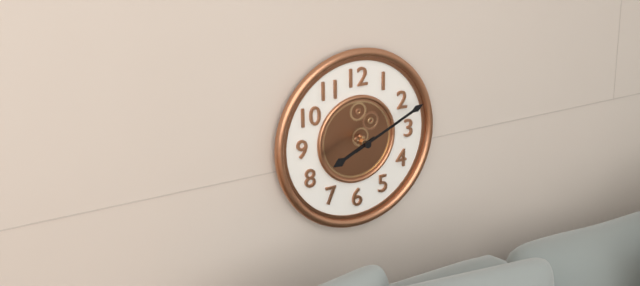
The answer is 8.11
